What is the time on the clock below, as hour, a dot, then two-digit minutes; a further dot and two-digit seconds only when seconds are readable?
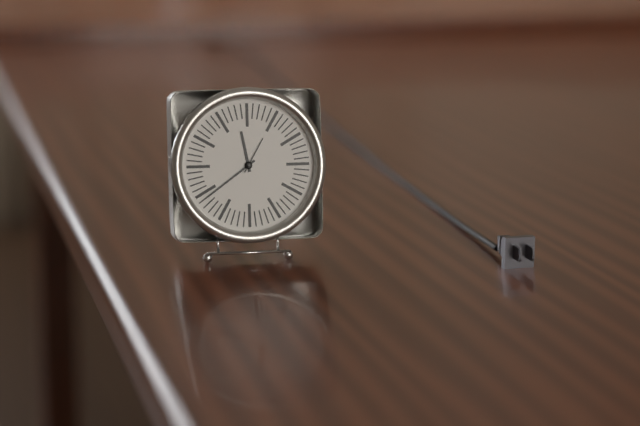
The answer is 11.39
